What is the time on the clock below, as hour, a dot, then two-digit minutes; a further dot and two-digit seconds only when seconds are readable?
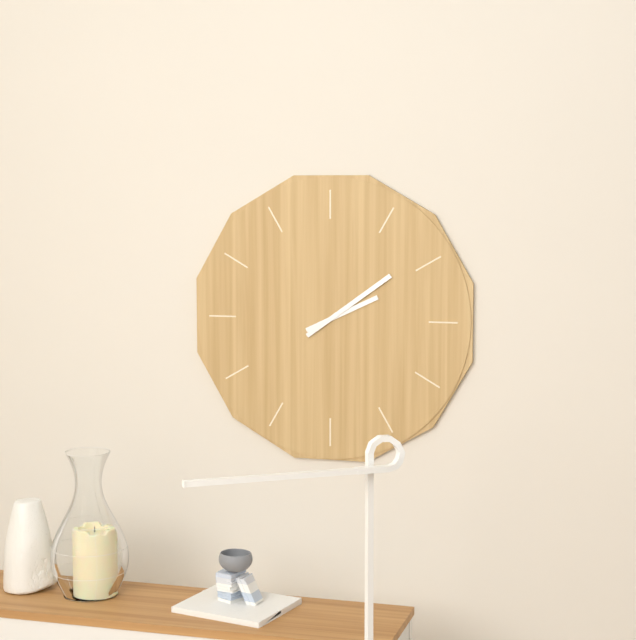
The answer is 2.09
